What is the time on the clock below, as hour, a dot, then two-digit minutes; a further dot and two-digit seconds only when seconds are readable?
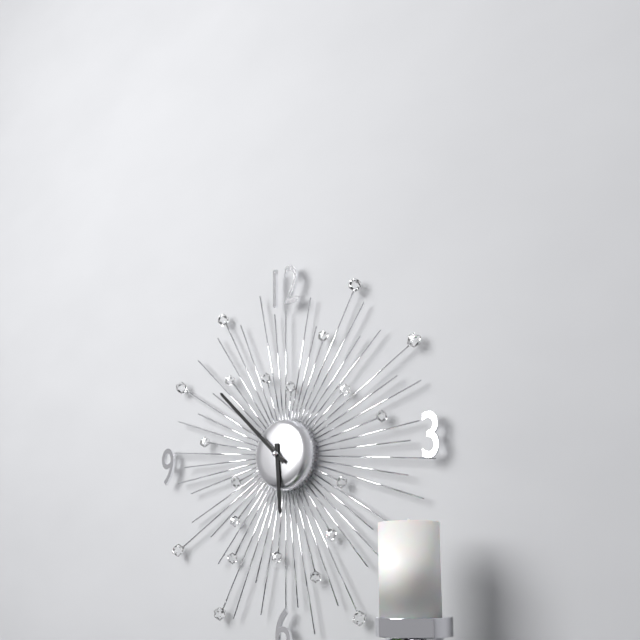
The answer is 5.52
